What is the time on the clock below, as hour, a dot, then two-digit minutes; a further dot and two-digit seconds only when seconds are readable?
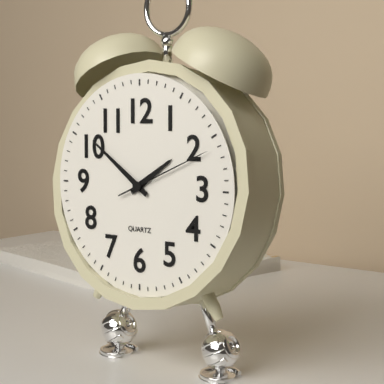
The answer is 1.51.11
